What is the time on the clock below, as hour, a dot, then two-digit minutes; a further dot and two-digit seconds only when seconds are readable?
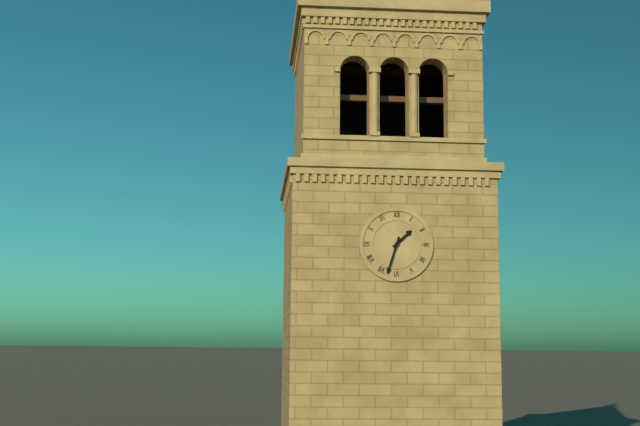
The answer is 1.33
